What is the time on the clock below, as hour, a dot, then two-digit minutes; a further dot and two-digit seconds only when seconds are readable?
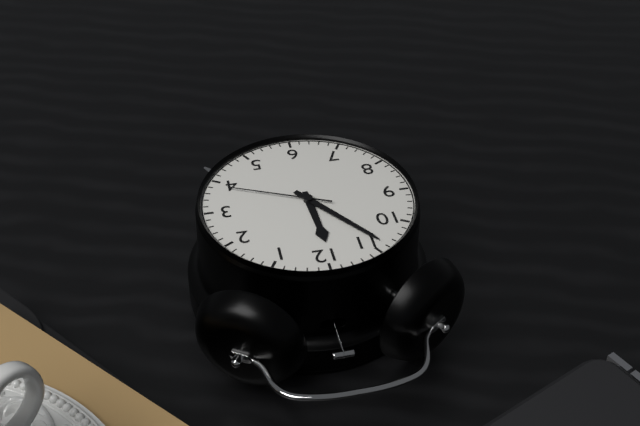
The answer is 11.54.19
